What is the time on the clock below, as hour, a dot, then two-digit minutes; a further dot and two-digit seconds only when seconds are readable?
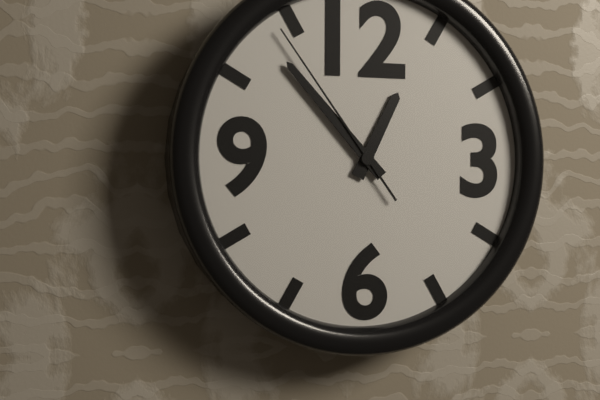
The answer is 12.53.54
